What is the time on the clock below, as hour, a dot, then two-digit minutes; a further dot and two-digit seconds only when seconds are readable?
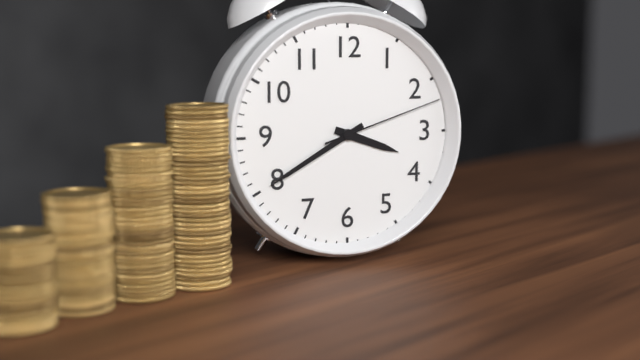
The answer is 3.40.12
